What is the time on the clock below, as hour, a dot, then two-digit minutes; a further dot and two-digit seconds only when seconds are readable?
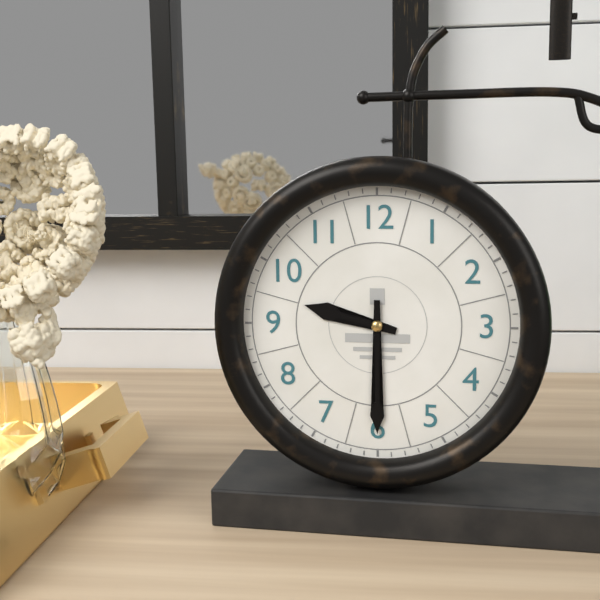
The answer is 9.30
